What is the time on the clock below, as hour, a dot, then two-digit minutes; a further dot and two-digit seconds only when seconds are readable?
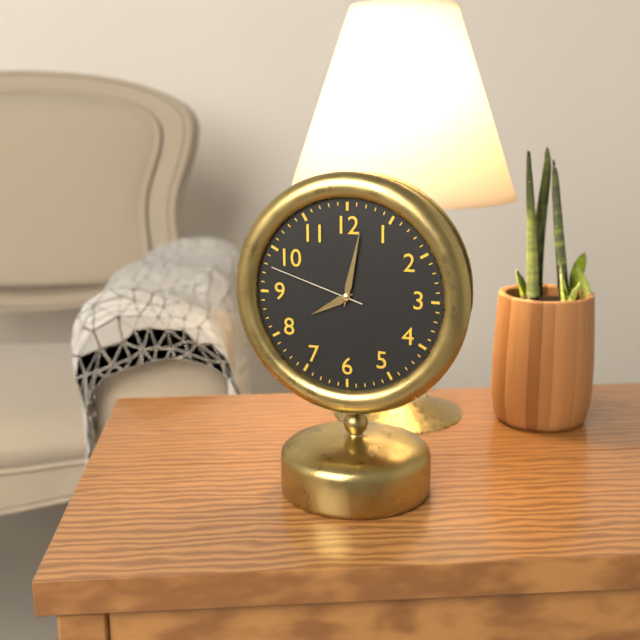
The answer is 8.02.48
